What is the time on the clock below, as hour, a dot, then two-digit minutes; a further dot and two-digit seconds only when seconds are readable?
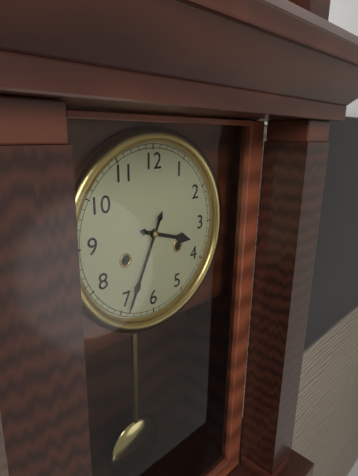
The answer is 3.34
